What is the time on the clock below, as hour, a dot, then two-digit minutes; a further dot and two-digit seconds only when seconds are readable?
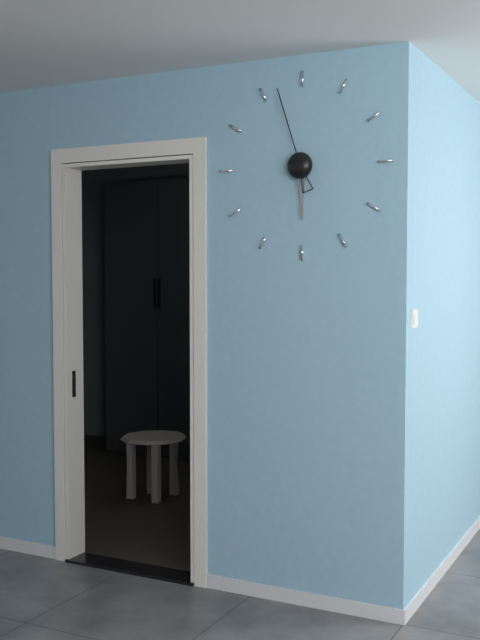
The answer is 5.57
